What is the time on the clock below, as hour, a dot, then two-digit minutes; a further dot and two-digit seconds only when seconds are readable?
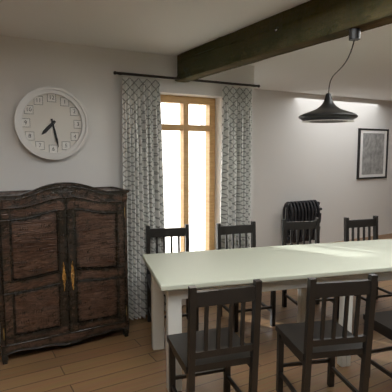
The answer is 7.28
